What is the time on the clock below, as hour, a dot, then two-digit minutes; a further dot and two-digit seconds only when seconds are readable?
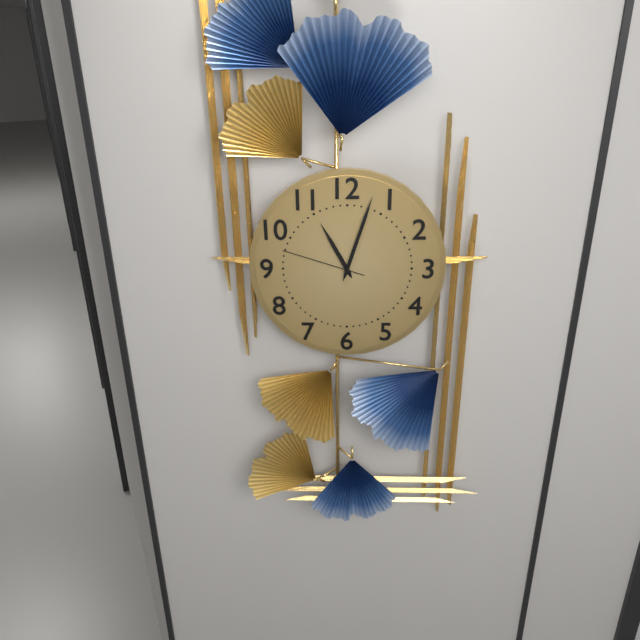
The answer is 11.03.48
